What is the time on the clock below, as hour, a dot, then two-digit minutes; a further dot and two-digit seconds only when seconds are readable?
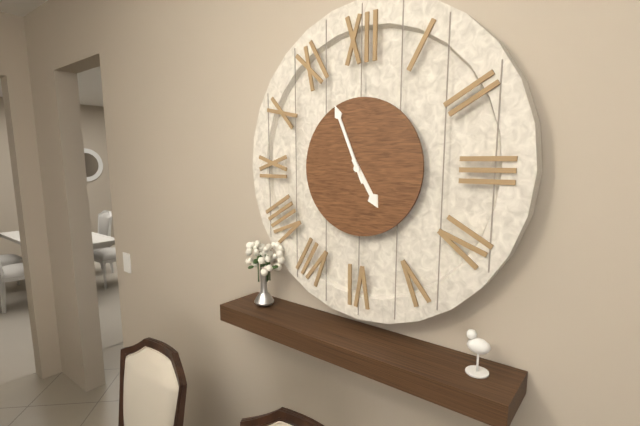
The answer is 4.56
